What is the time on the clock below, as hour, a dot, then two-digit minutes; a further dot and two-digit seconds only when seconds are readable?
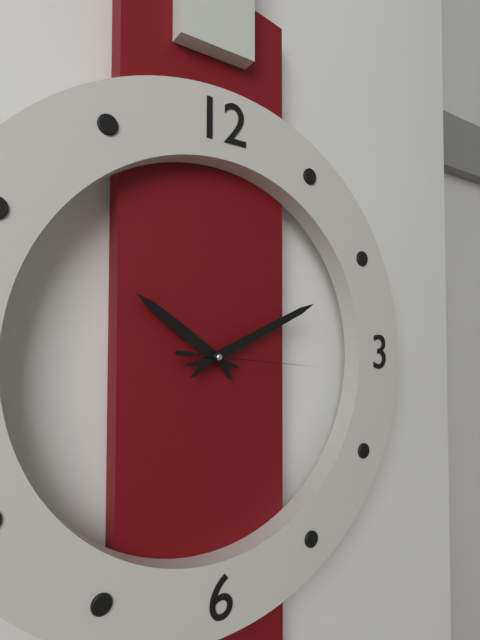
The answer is 10.11.16
